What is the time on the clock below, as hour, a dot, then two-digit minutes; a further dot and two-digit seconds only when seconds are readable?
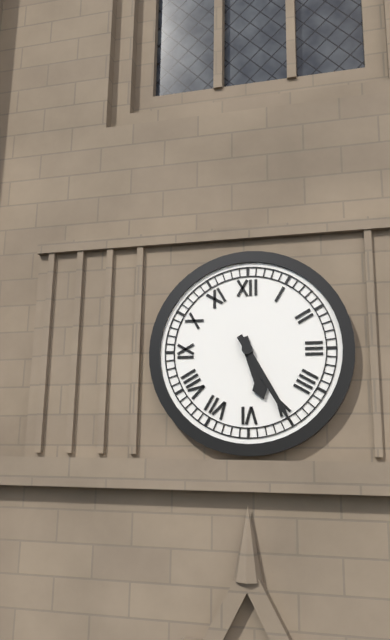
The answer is 5.25
